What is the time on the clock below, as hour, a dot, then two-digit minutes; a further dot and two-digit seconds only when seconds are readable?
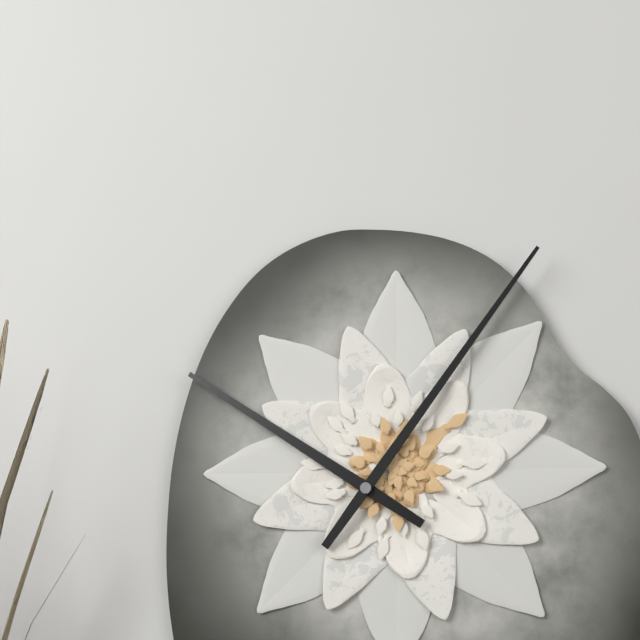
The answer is 10.06
